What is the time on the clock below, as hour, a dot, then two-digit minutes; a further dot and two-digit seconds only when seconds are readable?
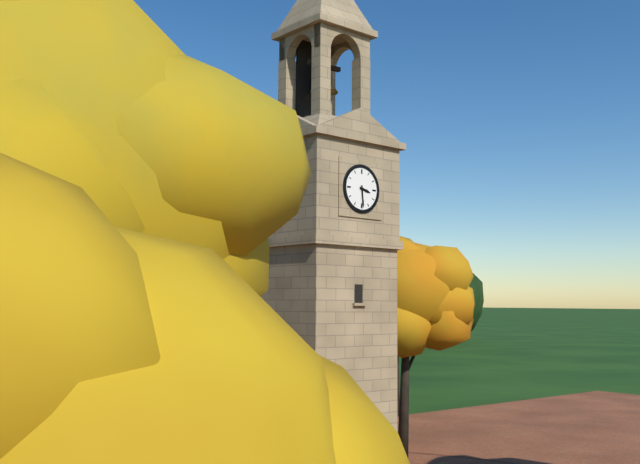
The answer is 3.29
